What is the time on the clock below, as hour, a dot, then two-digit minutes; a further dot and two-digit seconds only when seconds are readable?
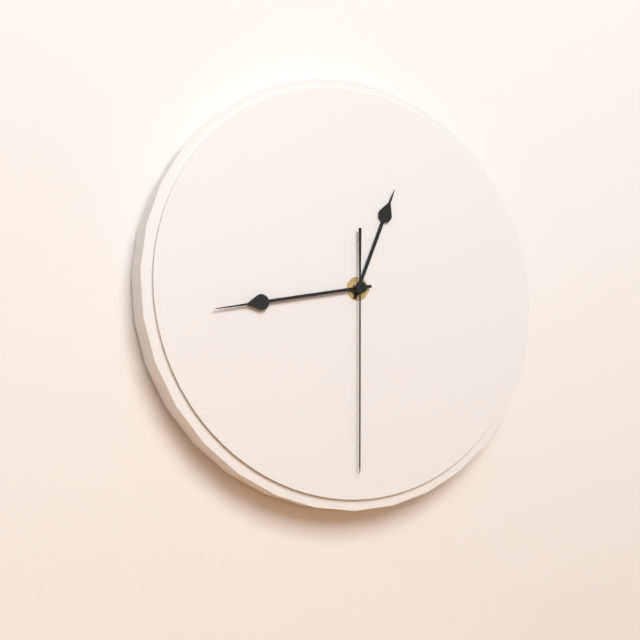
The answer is 12.43.30
